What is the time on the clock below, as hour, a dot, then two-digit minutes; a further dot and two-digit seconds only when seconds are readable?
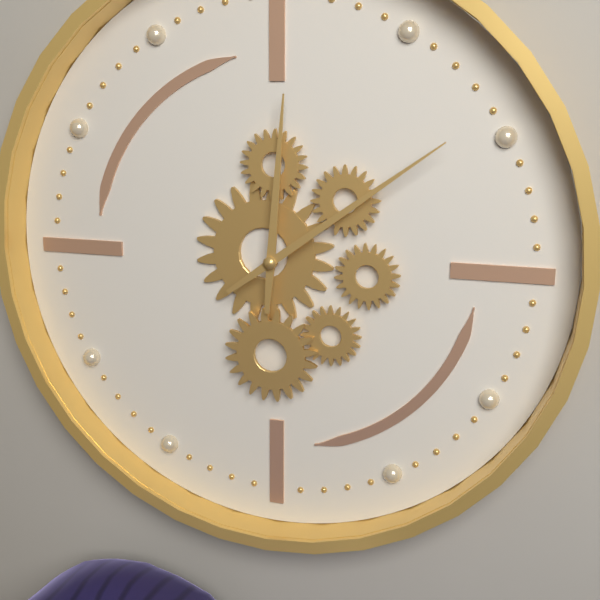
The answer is 12.09
